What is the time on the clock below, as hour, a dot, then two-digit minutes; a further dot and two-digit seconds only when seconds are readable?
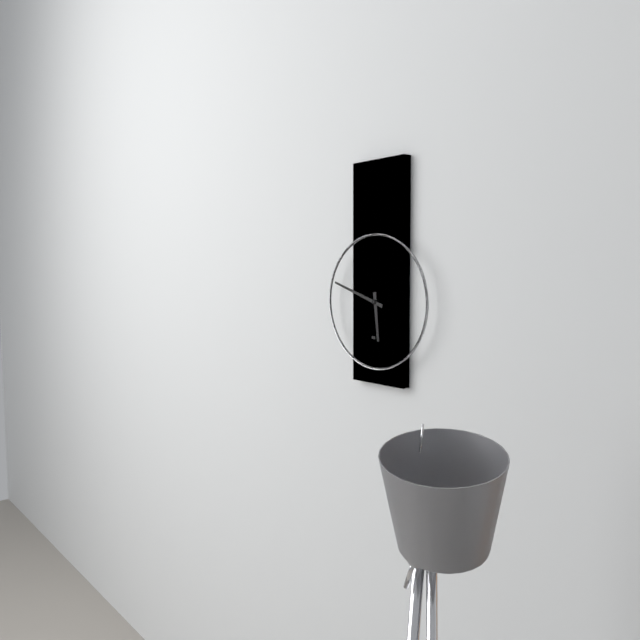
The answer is 5.48
